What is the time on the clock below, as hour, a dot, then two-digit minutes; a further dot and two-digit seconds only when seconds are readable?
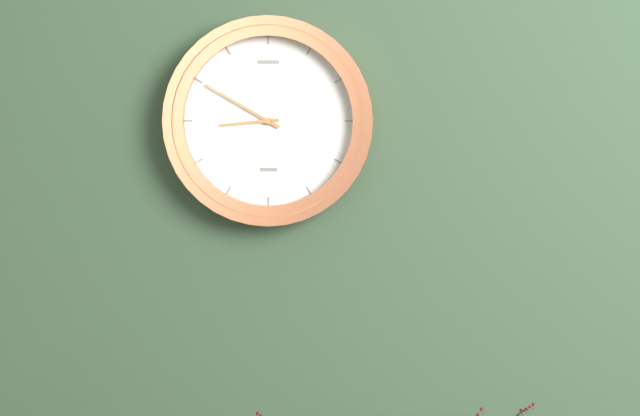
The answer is 8.50
